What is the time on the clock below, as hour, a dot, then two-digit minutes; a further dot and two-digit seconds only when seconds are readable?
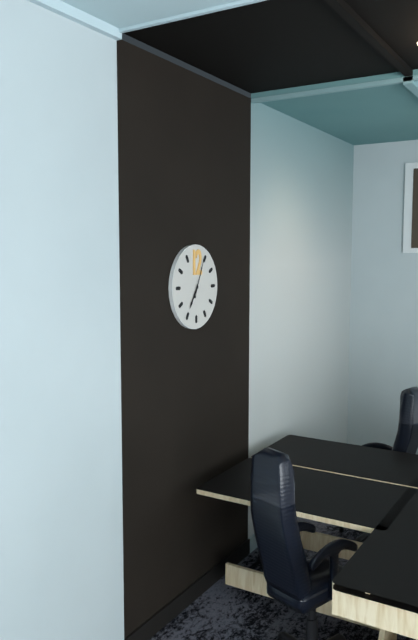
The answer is 7.04
